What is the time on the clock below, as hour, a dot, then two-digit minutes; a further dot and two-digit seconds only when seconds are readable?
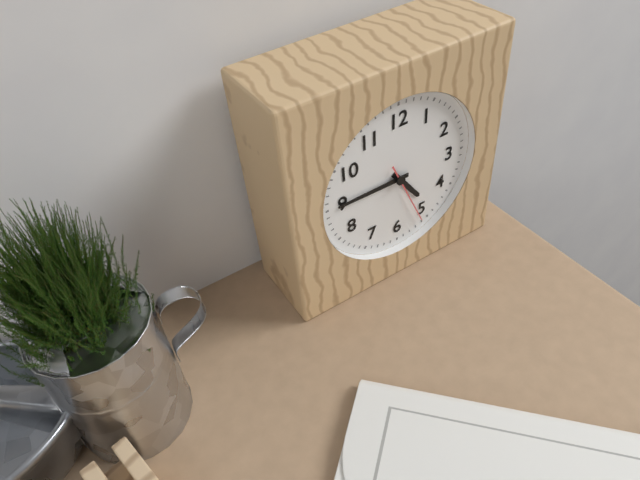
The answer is 4.45.26
